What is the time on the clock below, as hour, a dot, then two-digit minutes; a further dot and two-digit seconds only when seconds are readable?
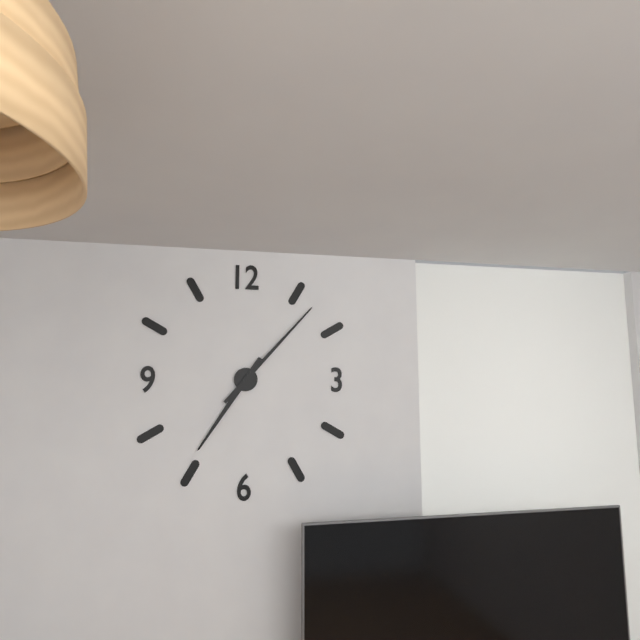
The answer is 7.07
